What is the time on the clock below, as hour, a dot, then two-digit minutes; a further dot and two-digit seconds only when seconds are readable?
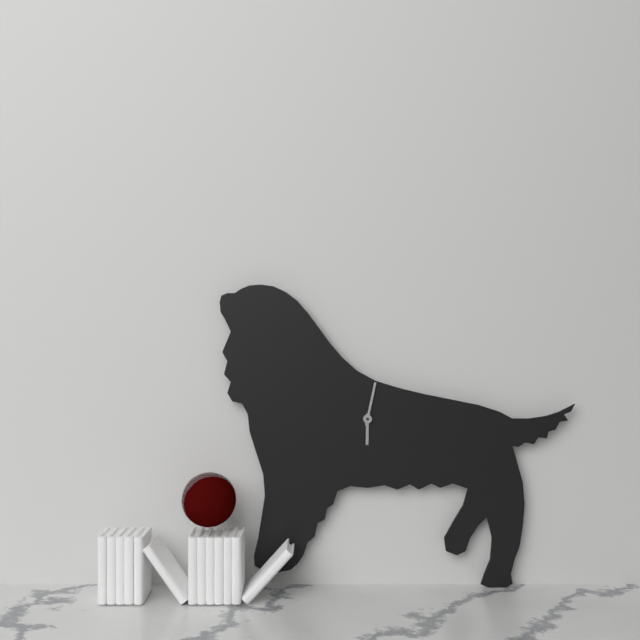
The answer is 6.02
